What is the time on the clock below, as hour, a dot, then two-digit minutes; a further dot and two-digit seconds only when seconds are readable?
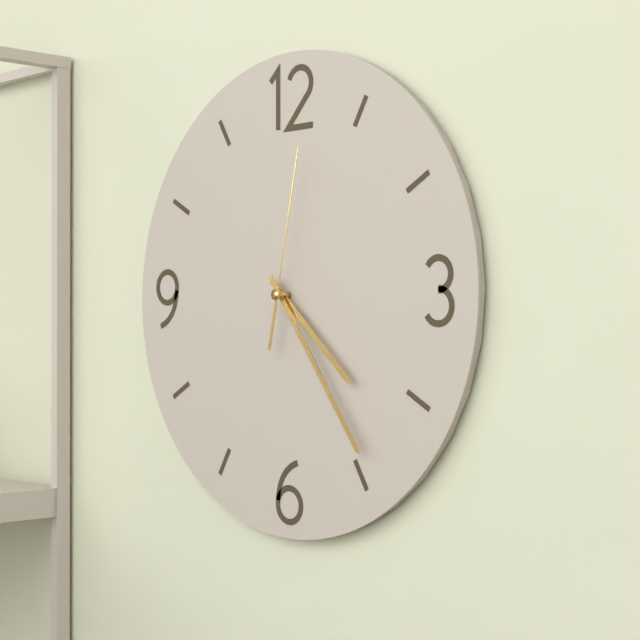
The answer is 4.24.02
